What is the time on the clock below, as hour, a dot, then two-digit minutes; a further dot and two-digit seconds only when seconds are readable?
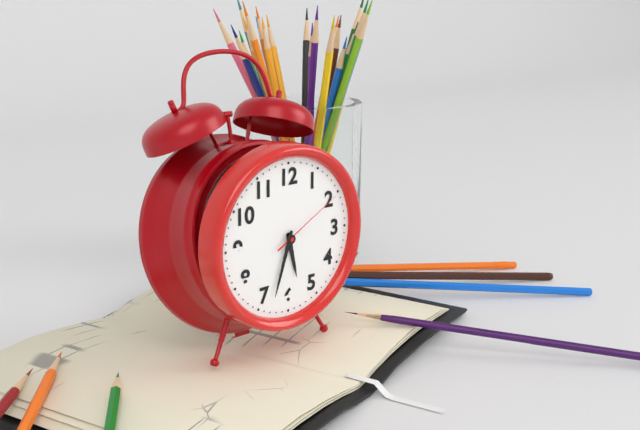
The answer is 5.33.10
